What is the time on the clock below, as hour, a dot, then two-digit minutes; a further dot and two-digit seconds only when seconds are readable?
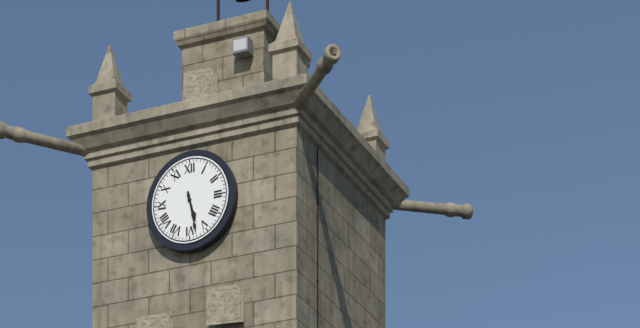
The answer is 5.28
